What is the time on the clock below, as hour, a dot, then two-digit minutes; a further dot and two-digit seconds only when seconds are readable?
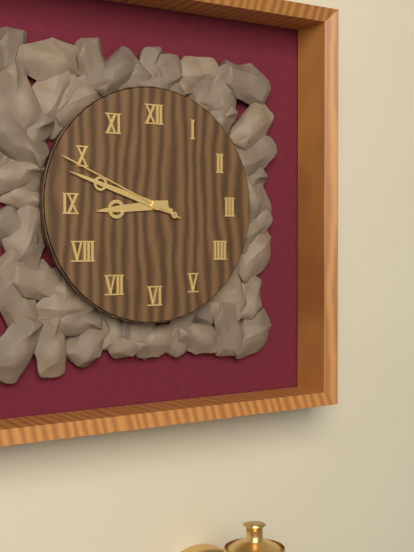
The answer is 8.48.49
